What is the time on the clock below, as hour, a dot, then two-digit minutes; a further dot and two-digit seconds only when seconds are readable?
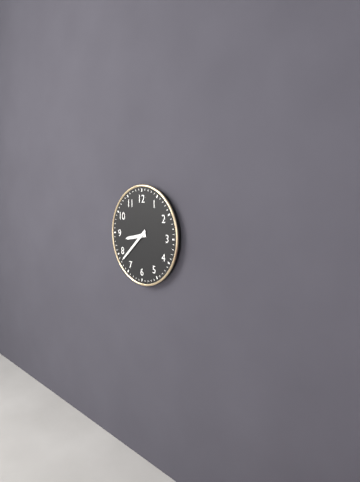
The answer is 8.38
